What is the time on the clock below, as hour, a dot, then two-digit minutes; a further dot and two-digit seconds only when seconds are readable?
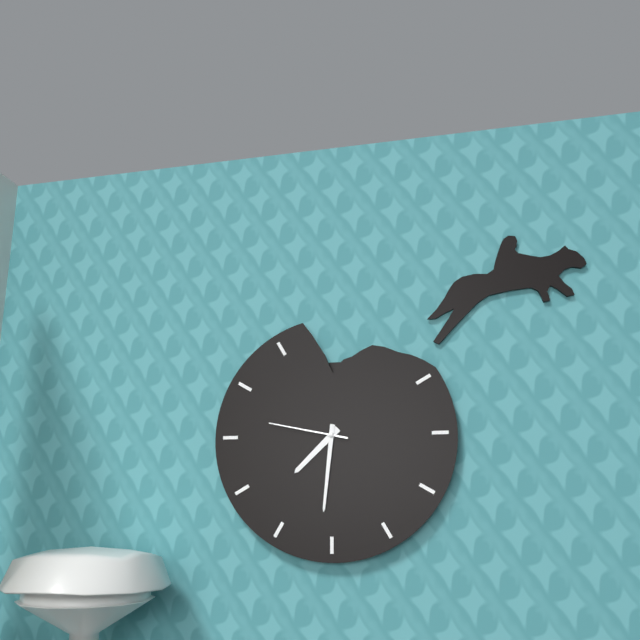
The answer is 7.31.47
